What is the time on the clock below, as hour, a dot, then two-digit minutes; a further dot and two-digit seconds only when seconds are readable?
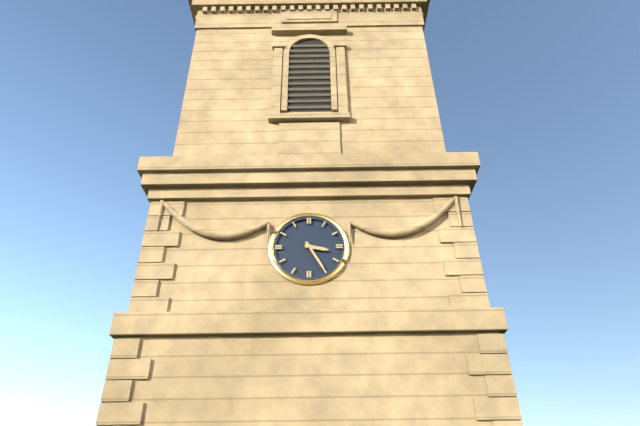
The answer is 3.25
